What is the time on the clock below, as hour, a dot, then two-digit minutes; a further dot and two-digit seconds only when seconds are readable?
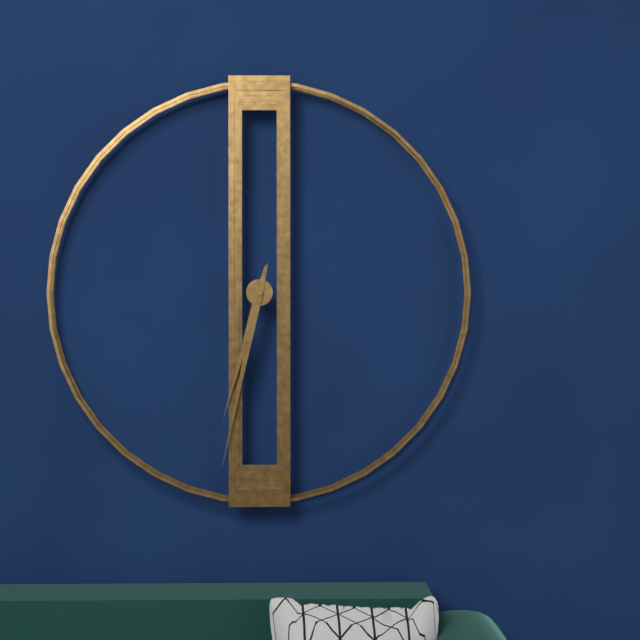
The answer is 6.32
